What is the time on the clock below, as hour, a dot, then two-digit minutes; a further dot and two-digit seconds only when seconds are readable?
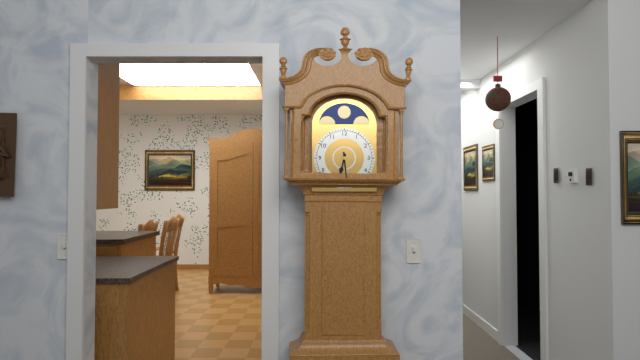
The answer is 6.29
